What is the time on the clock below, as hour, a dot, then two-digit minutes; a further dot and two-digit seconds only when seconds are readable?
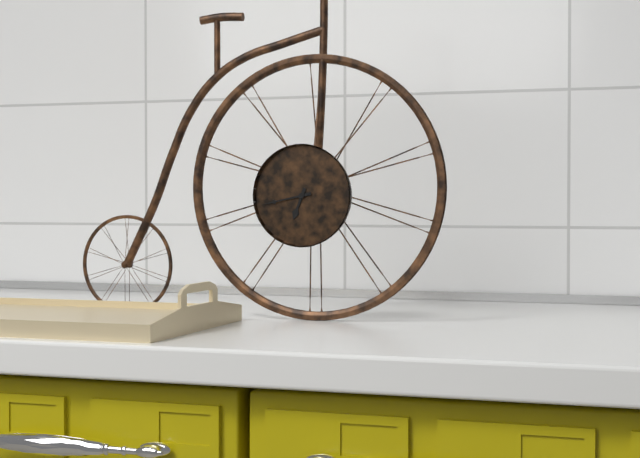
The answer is 6.43
